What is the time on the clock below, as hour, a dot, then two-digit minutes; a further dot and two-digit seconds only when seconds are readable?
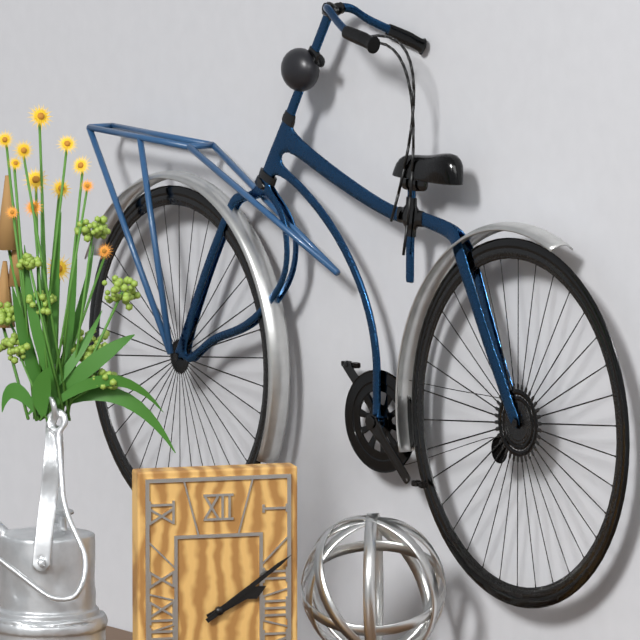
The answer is 2.09
